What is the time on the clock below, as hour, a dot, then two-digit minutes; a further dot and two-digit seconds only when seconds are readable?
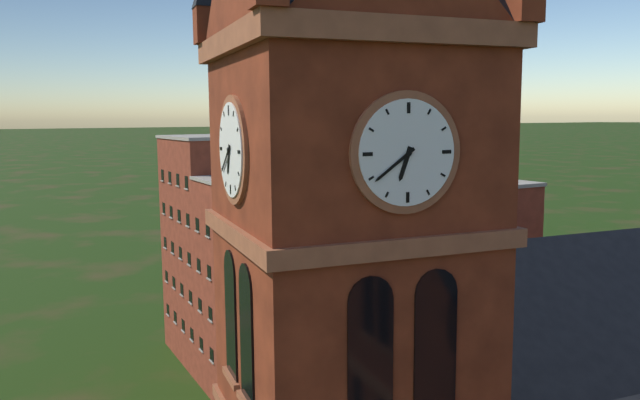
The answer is 6.39
